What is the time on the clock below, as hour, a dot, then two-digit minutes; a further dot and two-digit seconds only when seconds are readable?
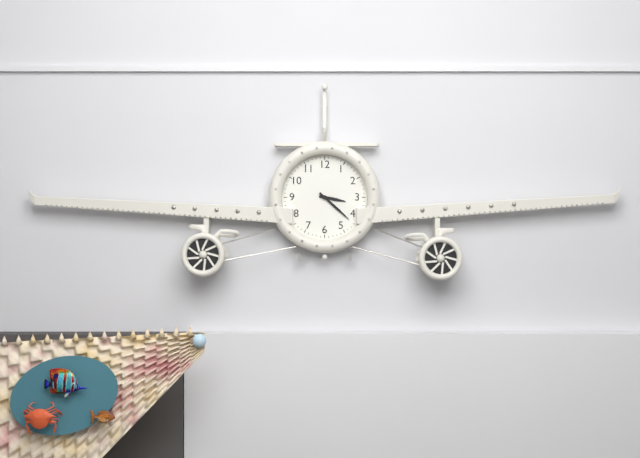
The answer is 3.22
